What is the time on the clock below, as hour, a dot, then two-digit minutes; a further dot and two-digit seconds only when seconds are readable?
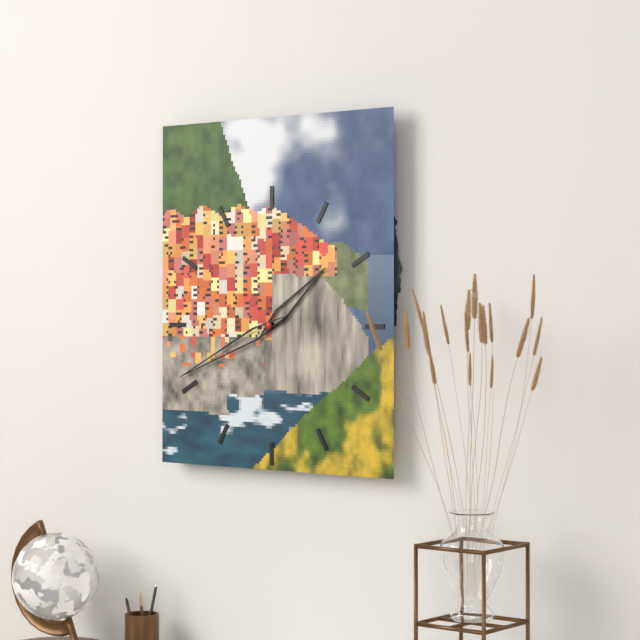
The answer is 1.41
